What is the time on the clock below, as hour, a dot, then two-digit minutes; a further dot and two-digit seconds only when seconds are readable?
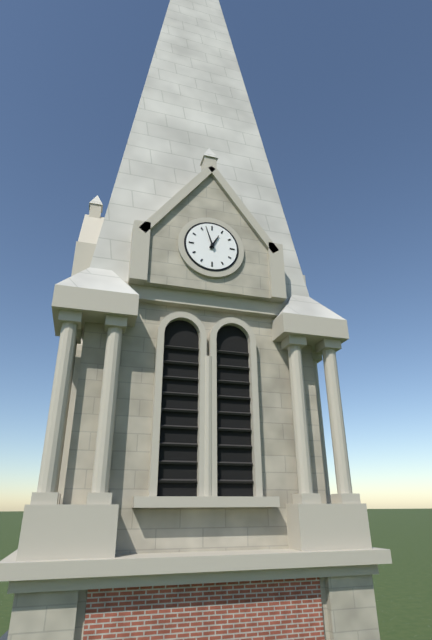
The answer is 12.57
